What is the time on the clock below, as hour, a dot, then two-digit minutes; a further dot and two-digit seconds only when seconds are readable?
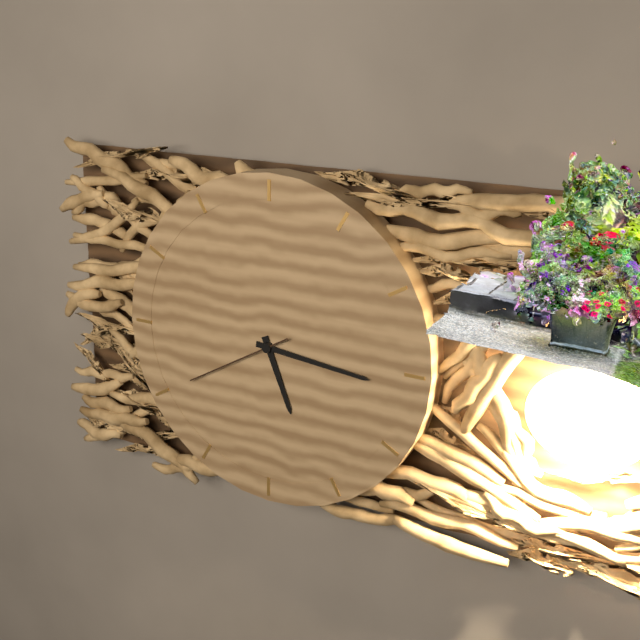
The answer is 5.16.40
